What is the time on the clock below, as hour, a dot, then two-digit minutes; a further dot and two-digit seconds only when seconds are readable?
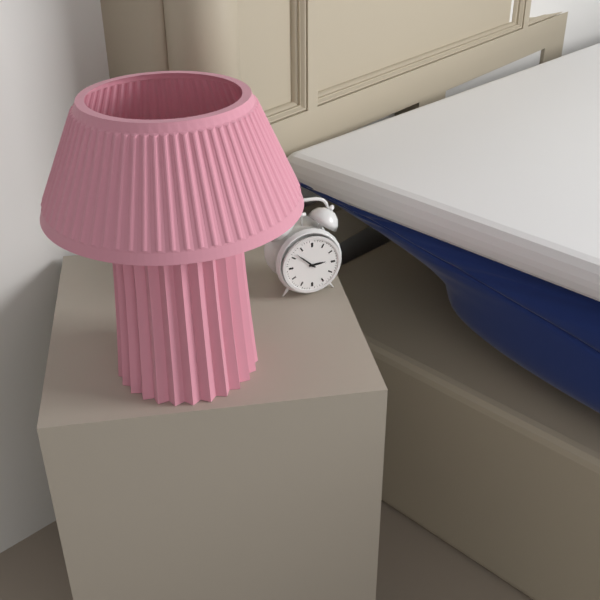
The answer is 2.52
